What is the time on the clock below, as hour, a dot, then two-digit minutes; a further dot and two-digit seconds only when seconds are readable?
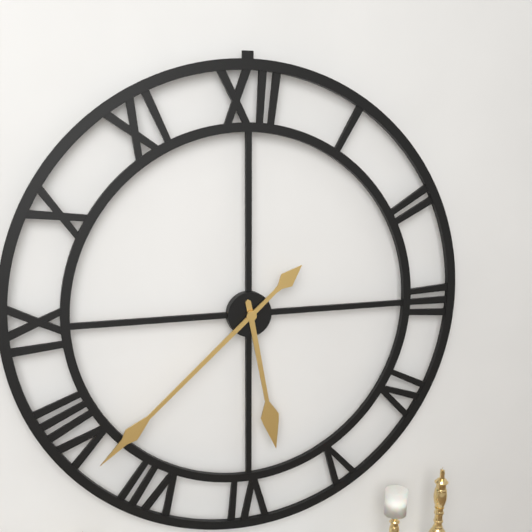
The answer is 5.38
